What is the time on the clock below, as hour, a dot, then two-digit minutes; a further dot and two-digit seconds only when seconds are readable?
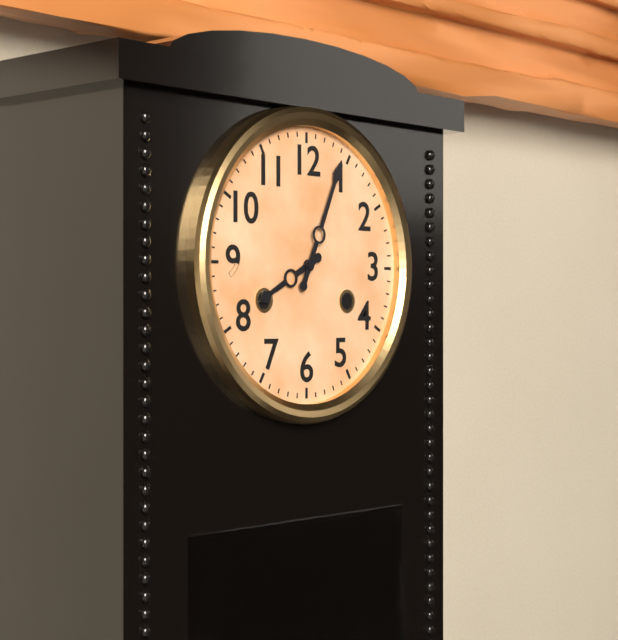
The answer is 8.04
